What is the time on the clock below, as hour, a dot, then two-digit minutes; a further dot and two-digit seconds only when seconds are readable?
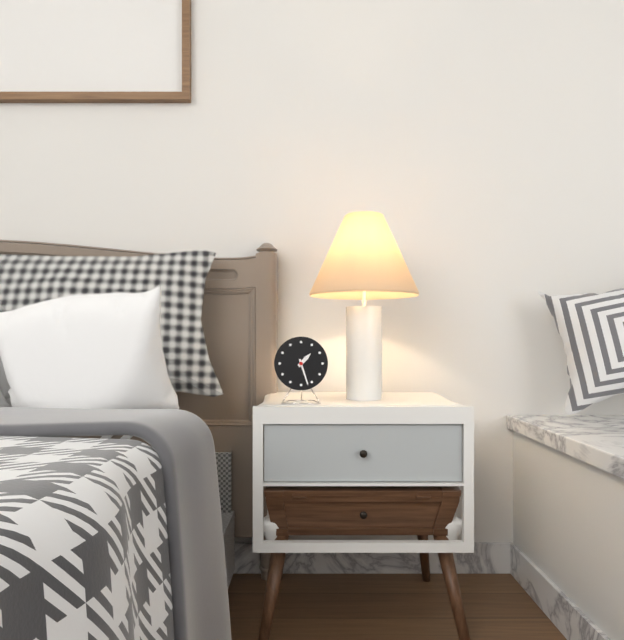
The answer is 1.27
